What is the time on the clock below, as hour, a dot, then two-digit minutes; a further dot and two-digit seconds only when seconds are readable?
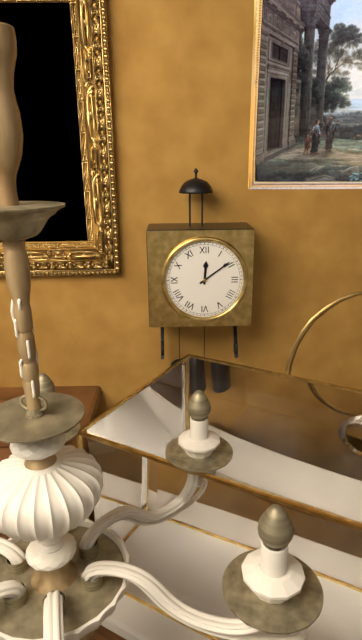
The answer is 12.09
